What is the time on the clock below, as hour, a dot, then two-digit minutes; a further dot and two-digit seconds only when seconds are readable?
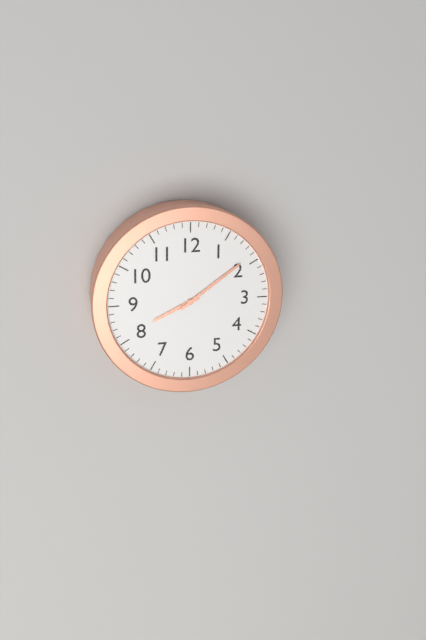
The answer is 8.09
